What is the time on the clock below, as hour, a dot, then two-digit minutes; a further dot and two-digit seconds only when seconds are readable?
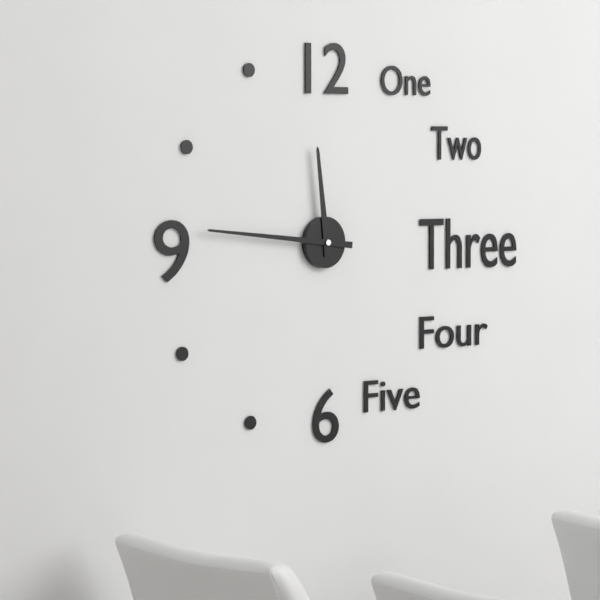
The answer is 11.46
